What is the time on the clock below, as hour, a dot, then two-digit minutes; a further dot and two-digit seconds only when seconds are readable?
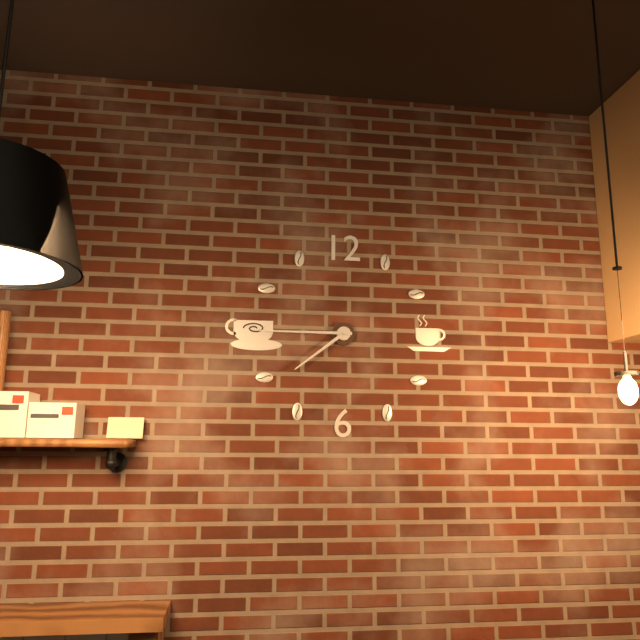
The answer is 7.45
